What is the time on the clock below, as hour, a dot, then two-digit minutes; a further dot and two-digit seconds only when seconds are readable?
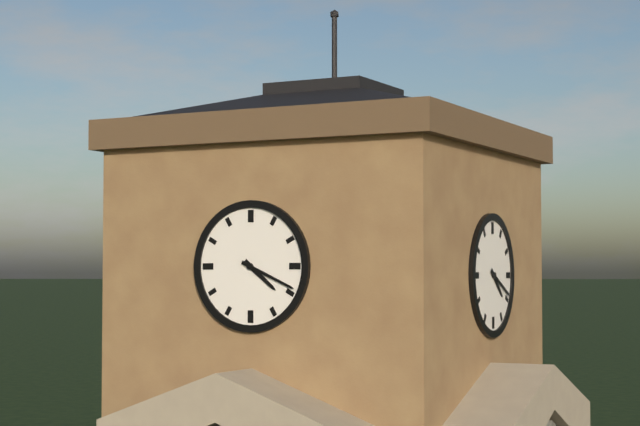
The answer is 4.19
